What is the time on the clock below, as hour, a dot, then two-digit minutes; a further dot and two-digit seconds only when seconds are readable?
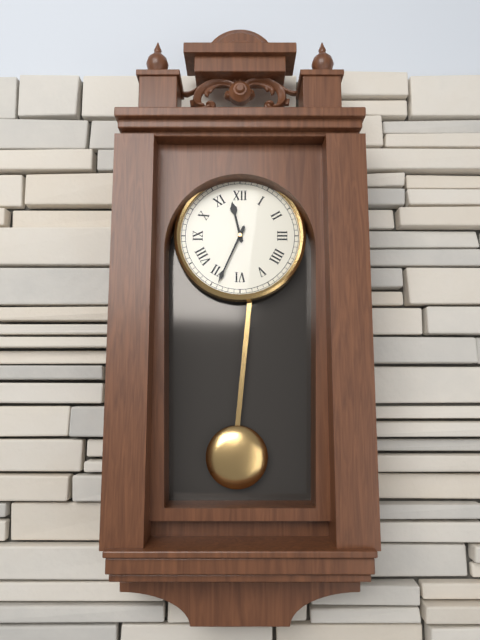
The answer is 11.34
